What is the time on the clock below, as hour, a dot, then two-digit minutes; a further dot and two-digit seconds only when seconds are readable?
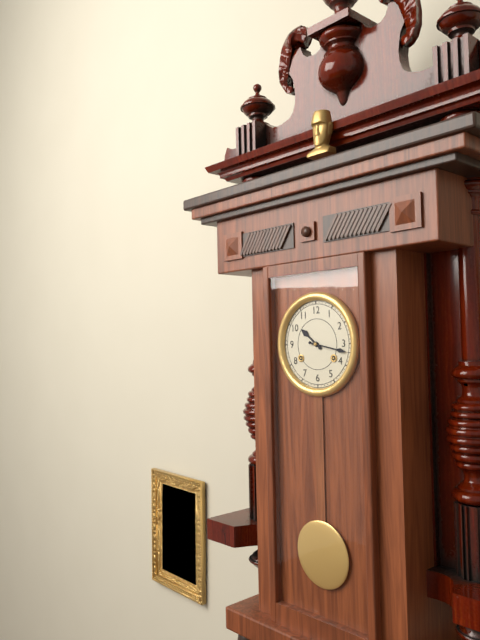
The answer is 10.17
